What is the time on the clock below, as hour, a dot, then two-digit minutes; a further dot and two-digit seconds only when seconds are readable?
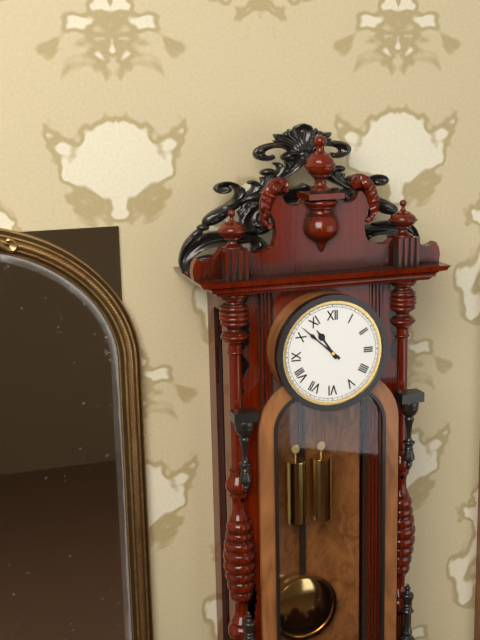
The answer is 10.52
